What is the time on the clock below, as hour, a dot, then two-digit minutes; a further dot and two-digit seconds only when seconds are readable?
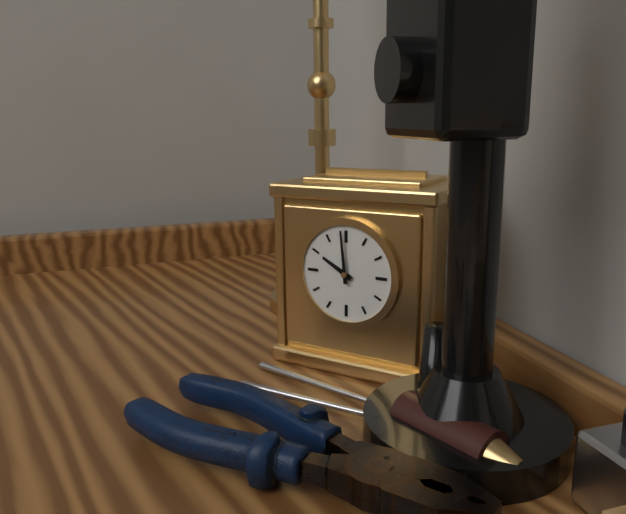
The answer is 9.59
